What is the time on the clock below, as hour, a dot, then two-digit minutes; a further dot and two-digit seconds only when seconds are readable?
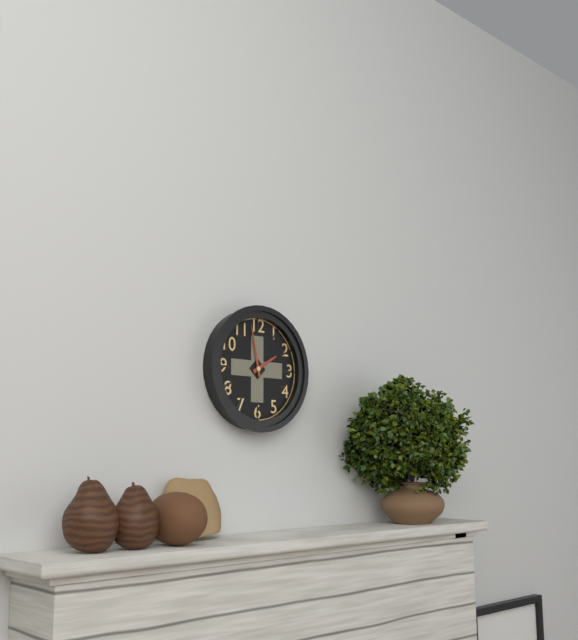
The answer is 1.58
